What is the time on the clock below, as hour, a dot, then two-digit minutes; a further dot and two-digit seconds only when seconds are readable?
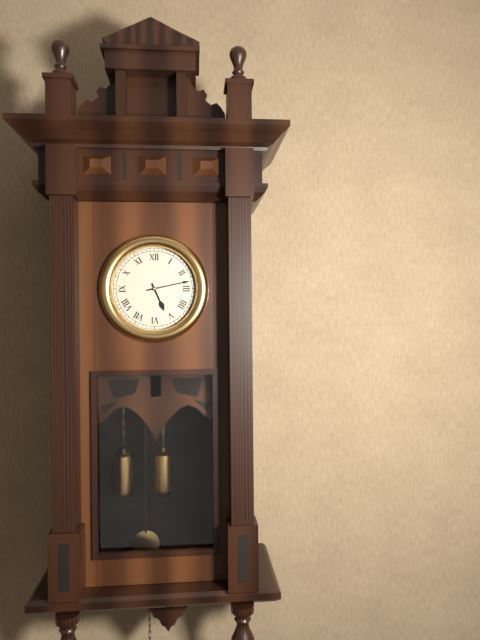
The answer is 5.13
